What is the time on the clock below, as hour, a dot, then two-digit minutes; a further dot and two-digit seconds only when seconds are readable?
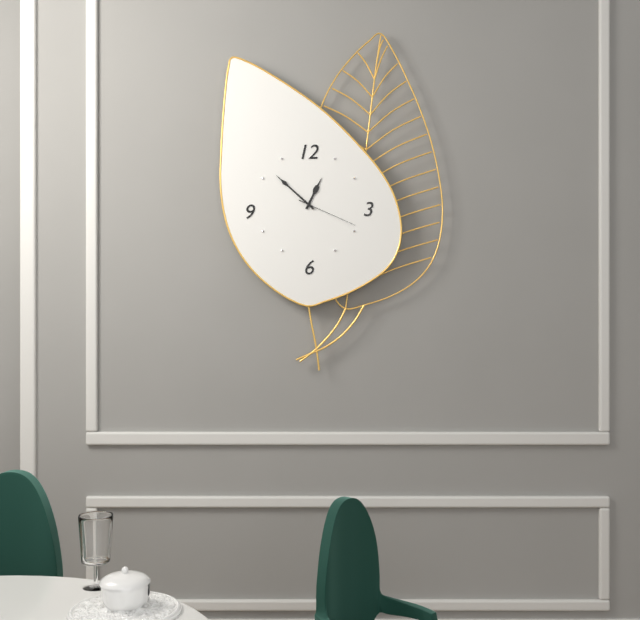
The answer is 12.52.19
